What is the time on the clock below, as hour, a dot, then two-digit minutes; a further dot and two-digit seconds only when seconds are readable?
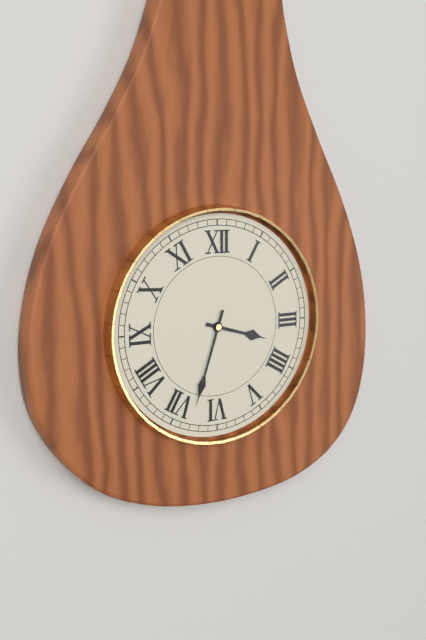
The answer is 3.33
